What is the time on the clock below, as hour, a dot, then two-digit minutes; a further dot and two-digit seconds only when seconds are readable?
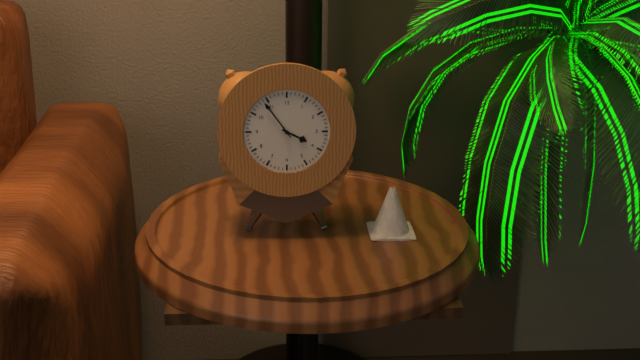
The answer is 3.54
